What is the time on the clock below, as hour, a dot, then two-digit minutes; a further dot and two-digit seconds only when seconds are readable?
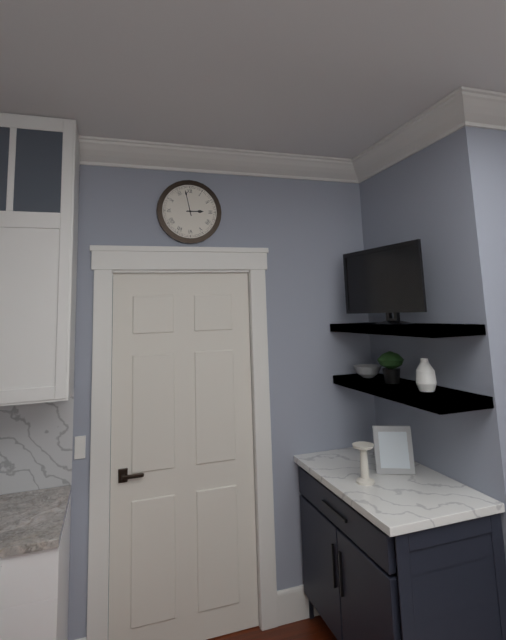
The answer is 2.58
